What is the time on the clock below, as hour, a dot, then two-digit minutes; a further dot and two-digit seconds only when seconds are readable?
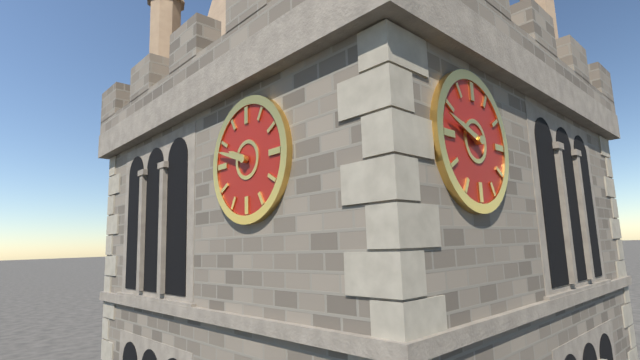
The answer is 9.48
